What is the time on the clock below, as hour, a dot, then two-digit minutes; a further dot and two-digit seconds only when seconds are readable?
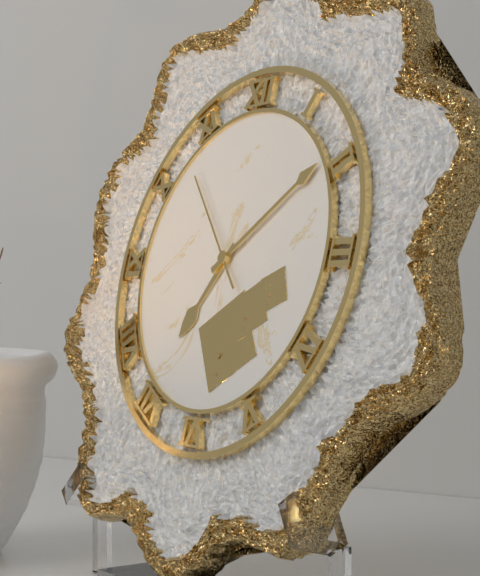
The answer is 7.09.53
